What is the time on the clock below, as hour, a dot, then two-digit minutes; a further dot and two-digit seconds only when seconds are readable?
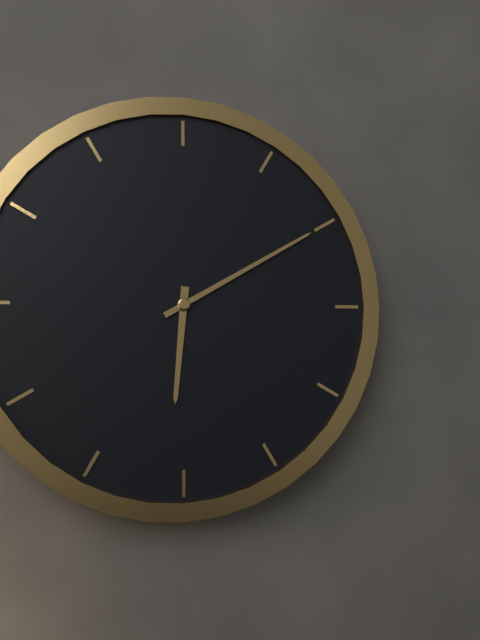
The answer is 6.10
